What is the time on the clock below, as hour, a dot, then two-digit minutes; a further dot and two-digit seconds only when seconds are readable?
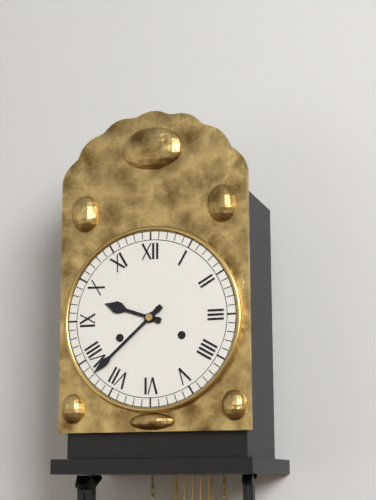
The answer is 9.38
